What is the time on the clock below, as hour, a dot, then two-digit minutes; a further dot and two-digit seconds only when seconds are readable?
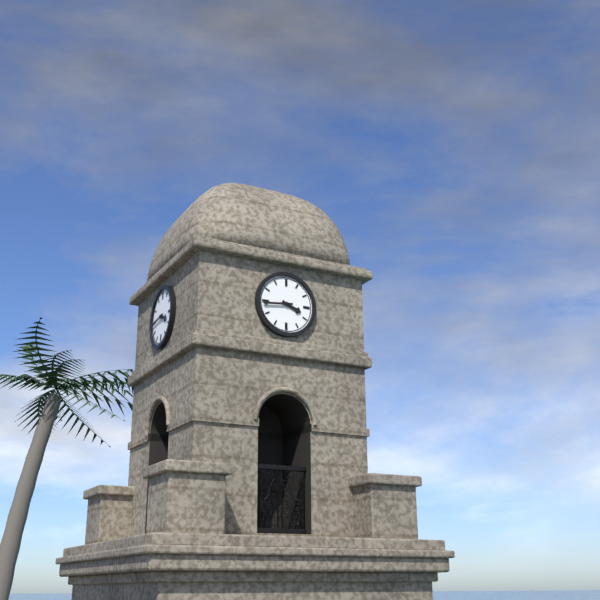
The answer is 3.44
